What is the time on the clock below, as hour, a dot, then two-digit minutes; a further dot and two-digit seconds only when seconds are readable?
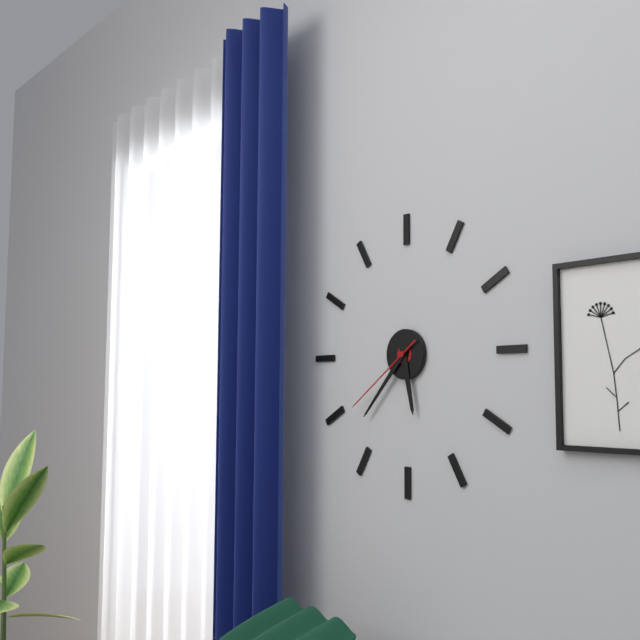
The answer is 5.37.39
